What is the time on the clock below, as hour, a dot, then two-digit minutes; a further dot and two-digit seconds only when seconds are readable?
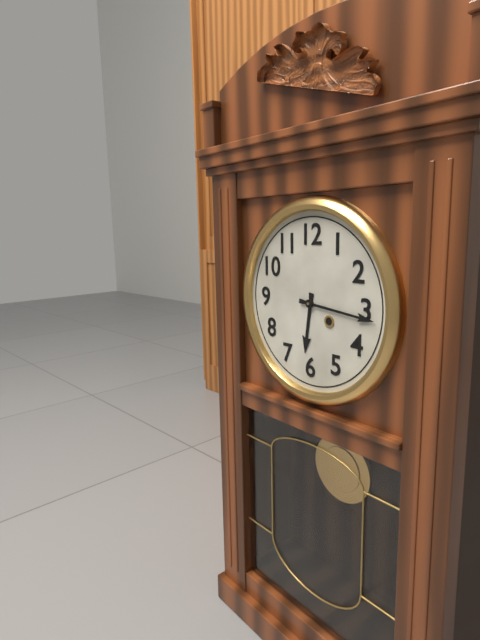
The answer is 6.16
